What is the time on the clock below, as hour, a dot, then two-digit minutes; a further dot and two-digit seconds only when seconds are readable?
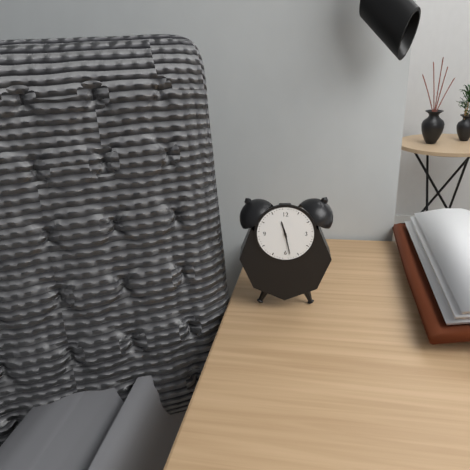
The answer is 11.28
